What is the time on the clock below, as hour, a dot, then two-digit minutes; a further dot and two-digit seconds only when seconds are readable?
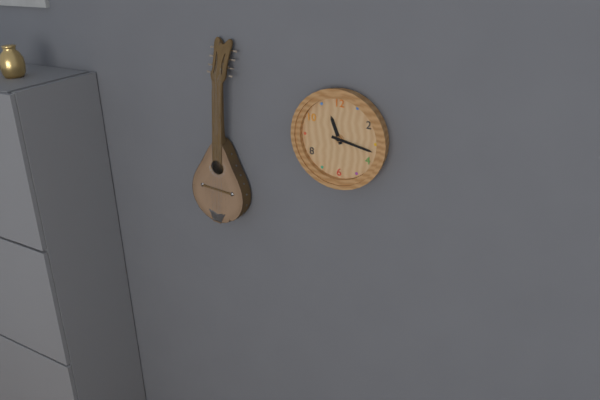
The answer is 11.17
